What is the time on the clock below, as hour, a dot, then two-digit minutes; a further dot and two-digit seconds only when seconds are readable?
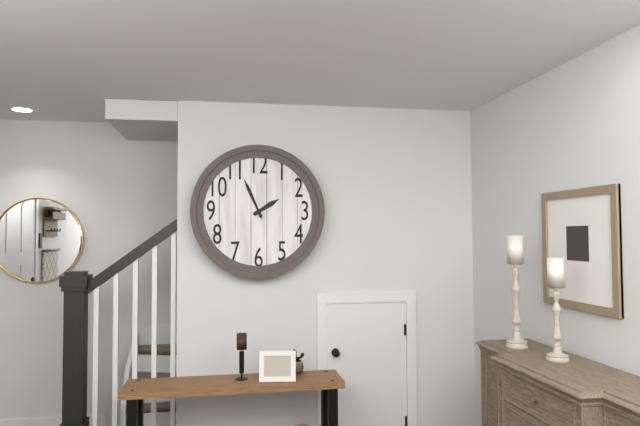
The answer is 1.56
